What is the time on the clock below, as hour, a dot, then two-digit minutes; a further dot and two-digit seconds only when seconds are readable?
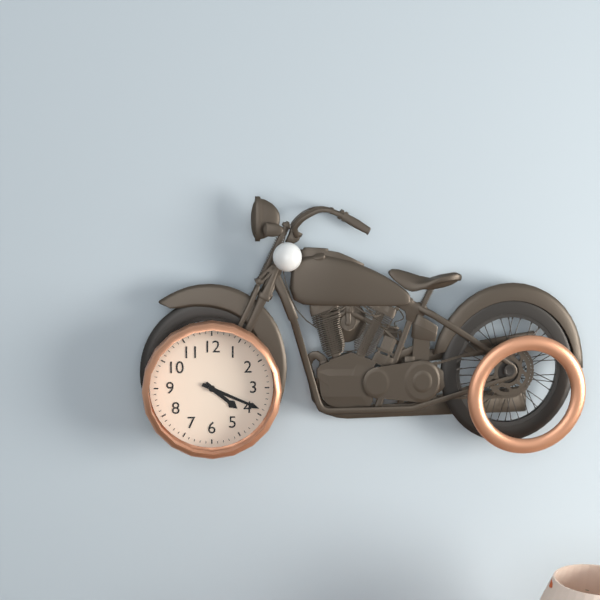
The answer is 4.19
